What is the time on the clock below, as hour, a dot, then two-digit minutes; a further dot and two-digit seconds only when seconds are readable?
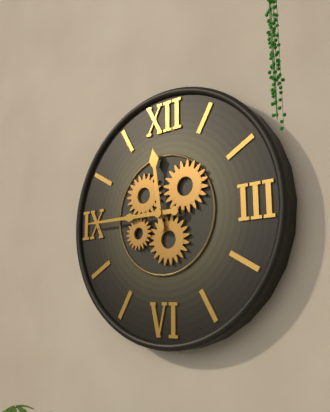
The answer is 11.45
